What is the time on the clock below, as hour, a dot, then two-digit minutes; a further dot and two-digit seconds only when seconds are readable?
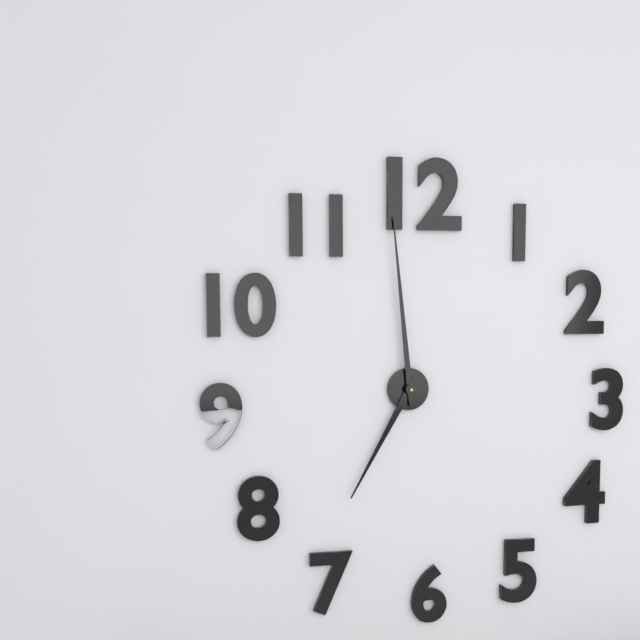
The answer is 6.59
